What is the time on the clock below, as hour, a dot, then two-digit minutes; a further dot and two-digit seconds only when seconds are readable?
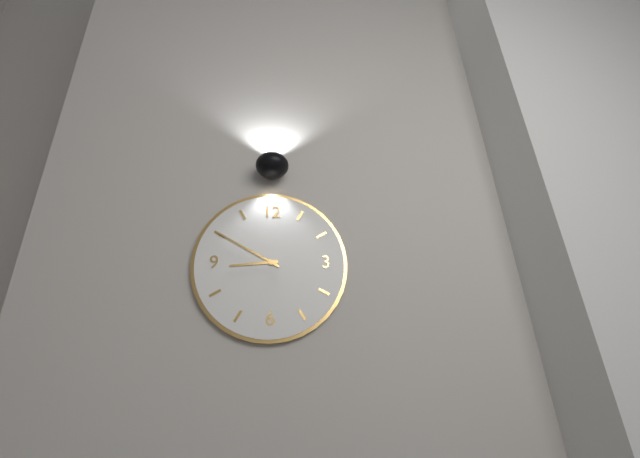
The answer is 8.50
